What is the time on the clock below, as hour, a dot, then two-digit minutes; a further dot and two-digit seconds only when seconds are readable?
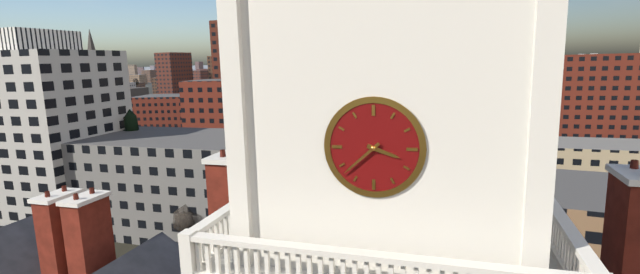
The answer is 3.38
